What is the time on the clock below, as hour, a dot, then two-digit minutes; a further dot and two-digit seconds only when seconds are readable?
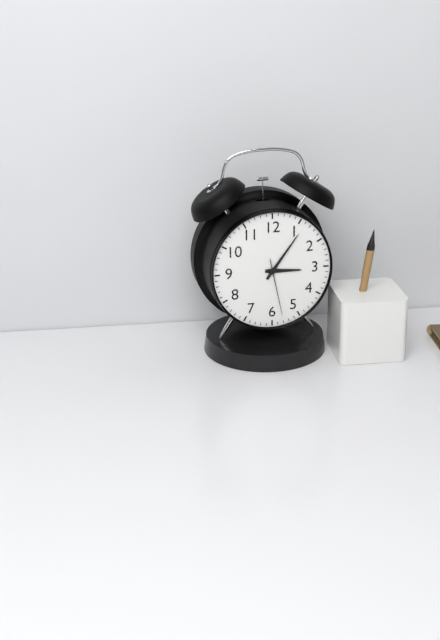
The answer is 3.06.28
